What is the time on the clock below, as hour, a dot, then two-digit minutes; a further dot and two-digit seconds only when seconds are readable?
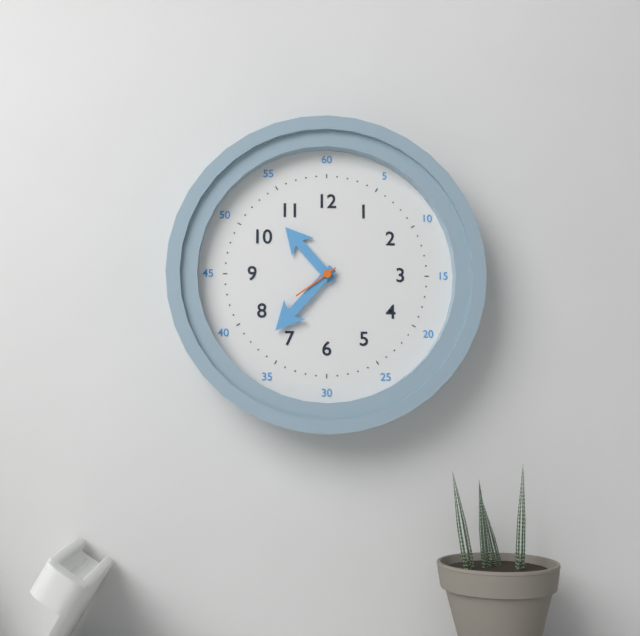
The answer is 10.37
